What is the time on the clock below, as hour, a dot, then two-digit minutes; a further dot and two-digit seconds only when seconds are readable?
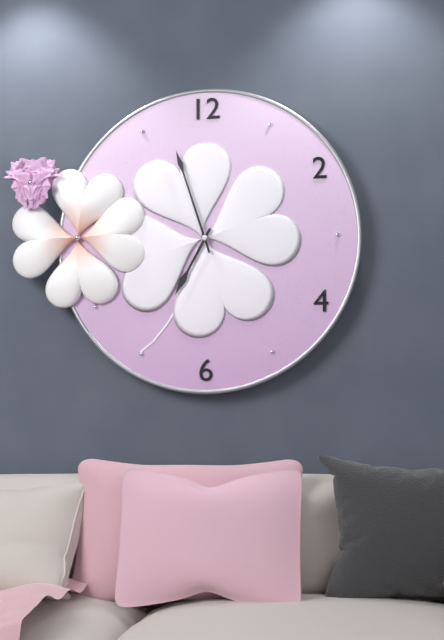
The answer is 6.57
